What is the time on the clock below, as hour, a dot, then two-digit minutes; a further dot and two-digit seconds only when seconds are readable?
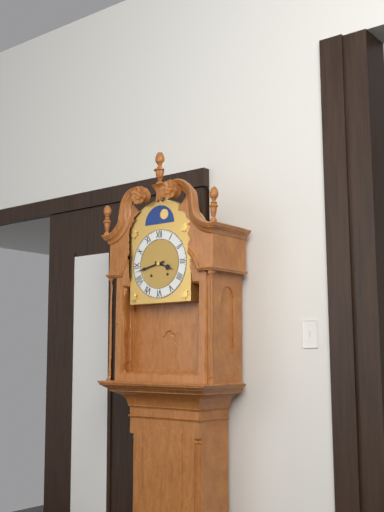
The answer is 3.43
